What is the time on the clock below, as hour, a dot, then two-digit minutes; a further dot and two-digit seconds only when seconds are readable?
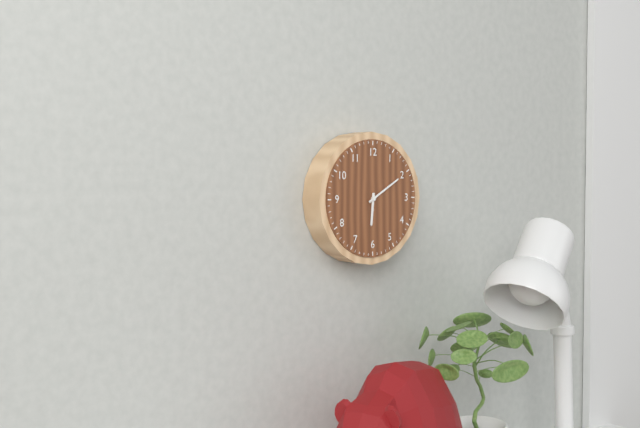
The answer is 6.10
